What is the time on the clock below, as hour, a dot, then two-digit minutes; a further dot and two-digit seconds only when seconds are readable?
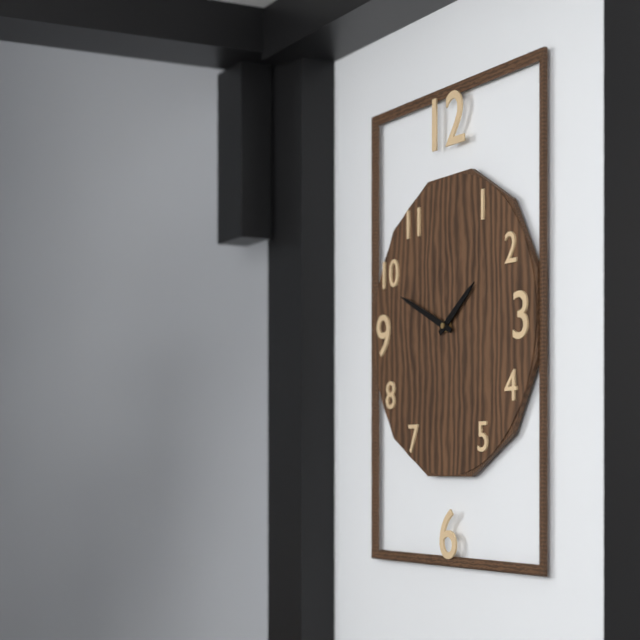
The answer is 1.49
